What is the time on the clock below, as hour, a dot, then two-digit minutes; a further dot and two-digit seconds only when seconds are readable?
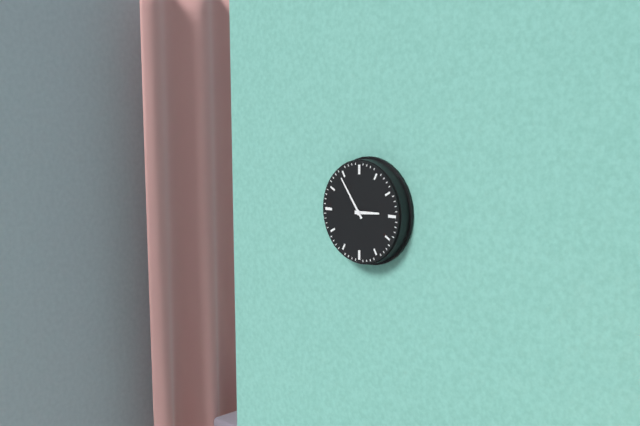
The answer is 2.54
